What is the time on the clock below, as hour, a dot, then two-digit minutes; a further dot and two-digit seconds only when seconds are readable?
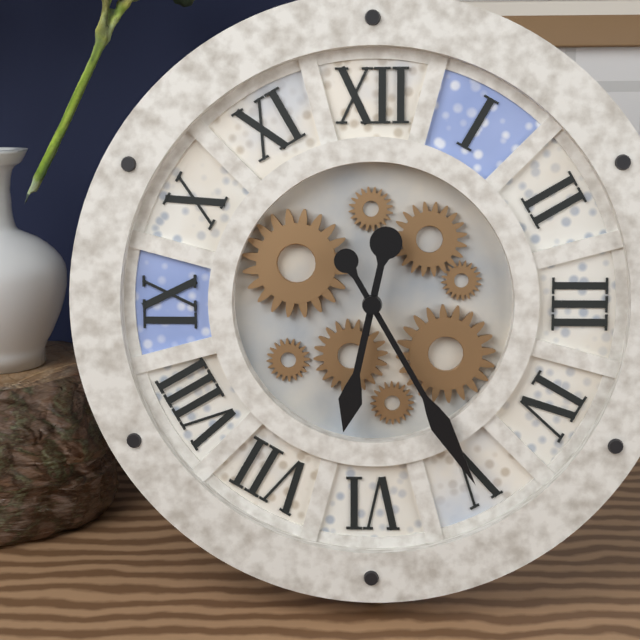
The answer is 6.25
